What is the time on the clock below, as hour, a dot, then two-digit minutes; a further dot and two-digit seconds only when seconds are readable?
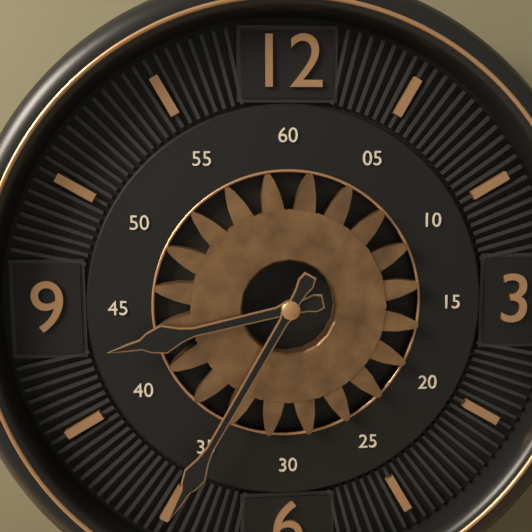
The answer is 8.35
